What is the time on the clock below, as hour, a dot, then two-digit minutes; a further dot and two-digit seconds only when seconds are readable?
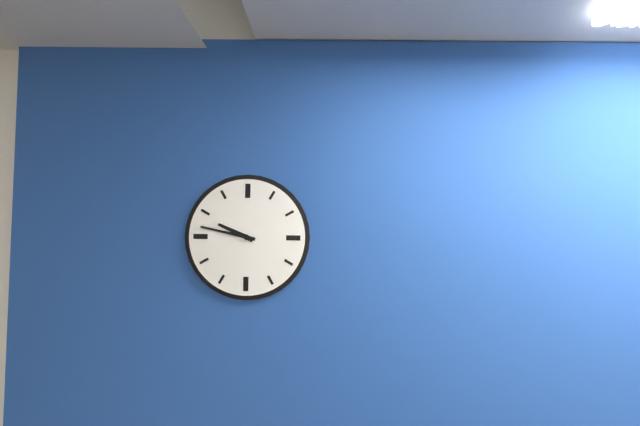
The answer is 9.47
